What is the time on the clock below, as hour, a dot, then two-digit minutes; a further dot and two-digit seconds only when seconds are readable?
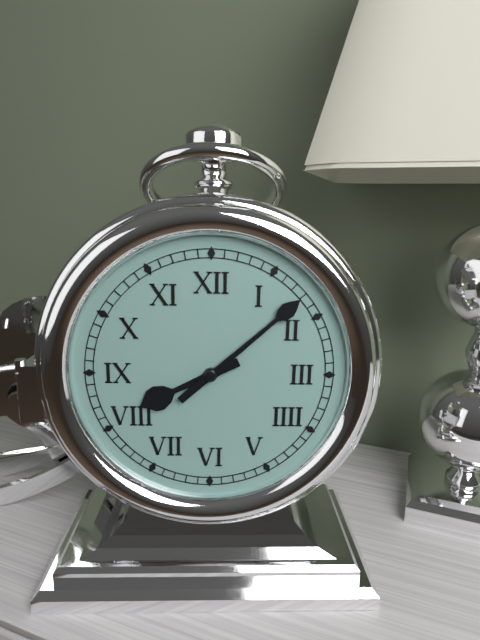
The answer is 8.08
